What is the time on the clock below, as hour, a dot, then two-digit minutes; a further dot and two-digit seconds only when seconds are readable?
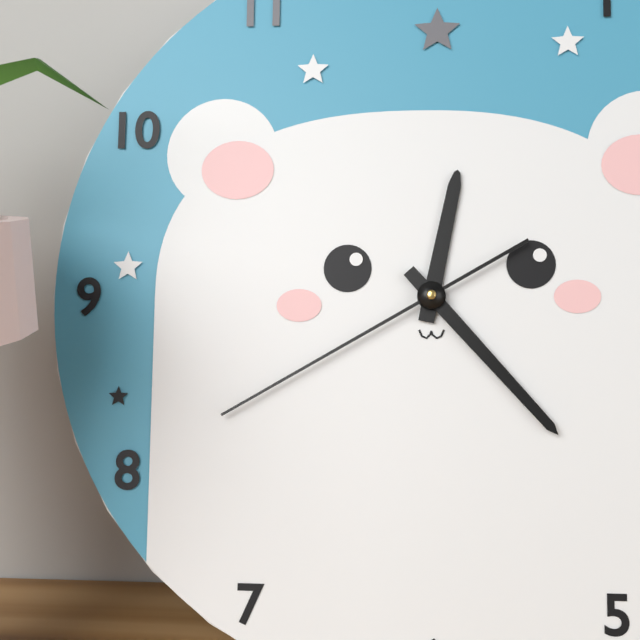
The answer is 12.23.40
